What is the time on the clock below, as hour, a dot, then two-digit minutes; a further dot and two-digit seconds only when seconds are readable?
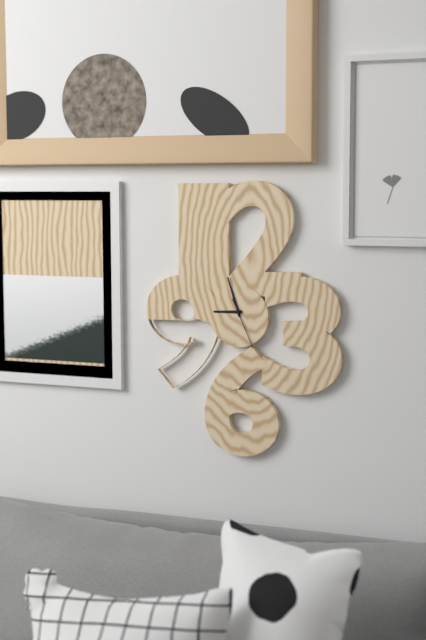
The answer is 8.57
